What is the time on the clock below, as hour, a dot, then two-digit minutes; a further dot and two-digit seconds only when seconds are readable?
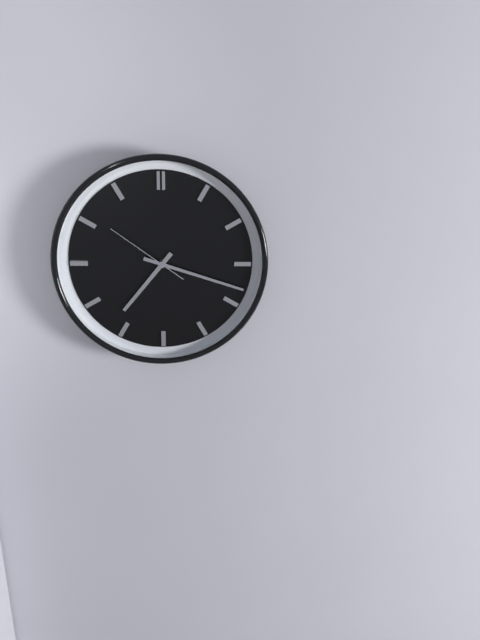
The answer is 7.18.51
